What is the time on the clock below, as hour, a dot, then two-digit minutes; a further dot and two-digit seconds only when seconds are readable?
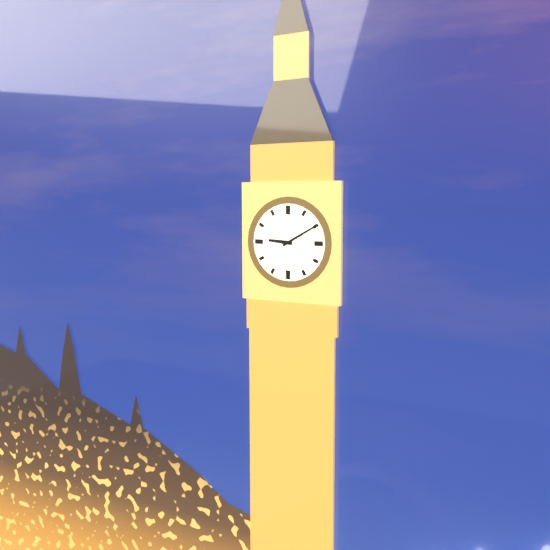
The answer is 9.10
